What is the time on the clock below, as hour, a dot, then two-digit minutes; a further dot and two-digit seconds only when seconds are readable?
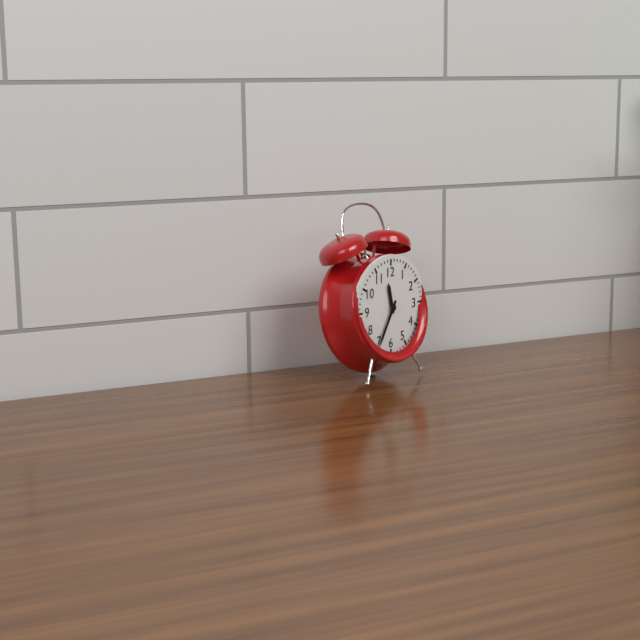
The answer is 11.35
